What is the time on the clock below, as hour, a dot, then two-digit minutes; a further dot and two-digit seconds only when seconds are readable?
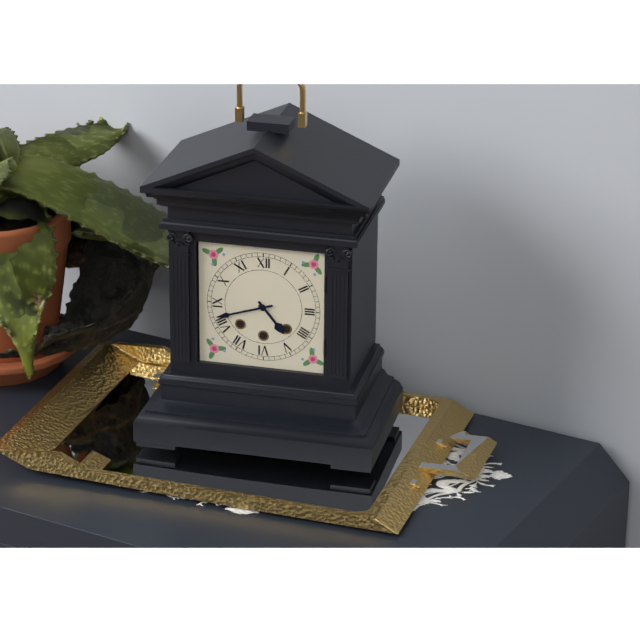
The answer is 4.42
